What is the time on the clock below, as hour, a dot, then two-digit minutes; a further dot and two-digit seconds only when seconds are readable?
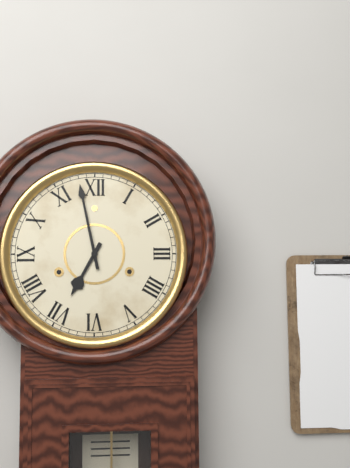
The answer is 6.58
